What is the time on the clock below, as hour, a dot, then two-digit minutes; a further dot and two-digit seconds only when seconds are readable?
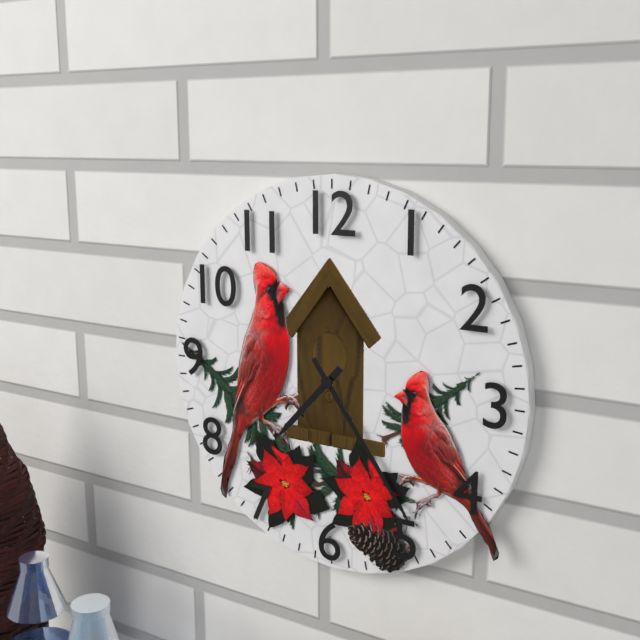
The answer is 7.24
